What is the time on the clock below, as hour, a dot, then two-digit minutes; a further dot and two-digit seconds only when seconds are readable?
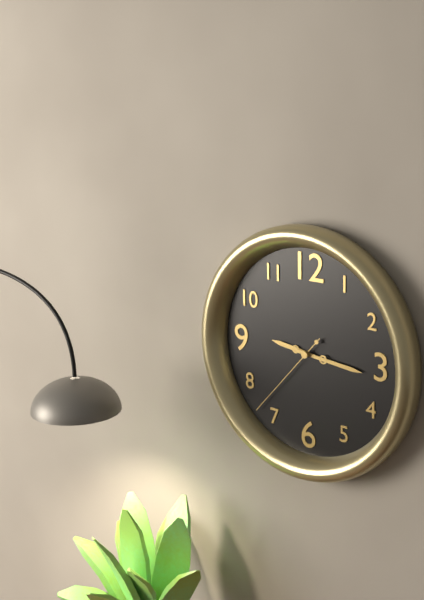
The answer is 9.16.37
